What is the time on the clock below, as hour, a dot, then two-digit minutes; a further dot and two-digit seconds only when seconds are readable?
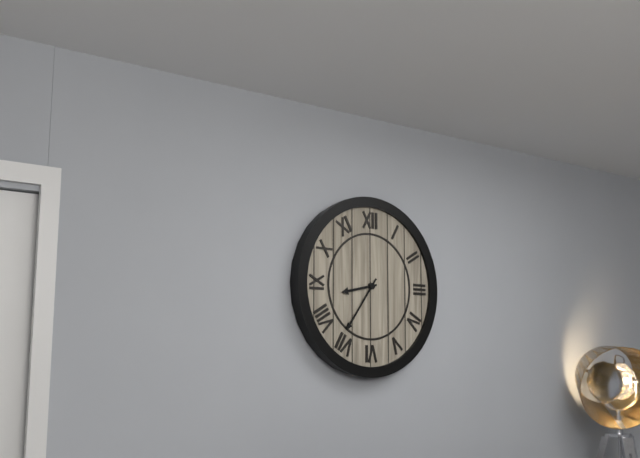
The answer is 8.36
